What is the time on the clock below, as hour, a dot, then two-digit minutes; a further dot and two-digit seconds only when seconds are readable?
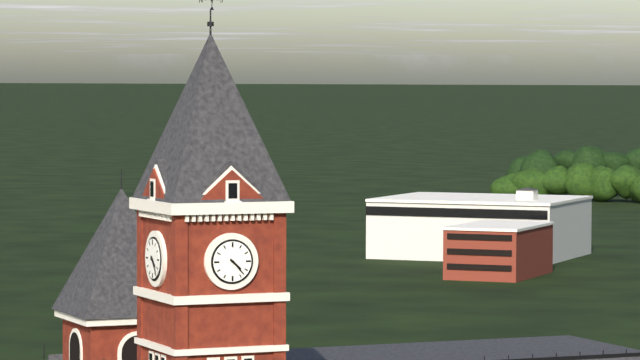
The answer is 4.23
